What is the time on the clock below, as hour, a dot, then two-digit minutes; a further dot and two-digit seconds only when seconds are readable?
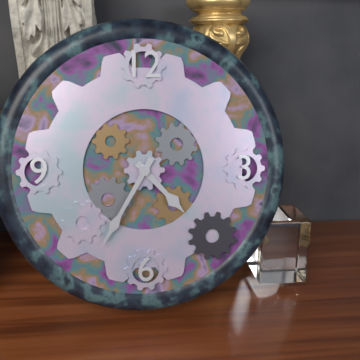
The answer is 4.35
